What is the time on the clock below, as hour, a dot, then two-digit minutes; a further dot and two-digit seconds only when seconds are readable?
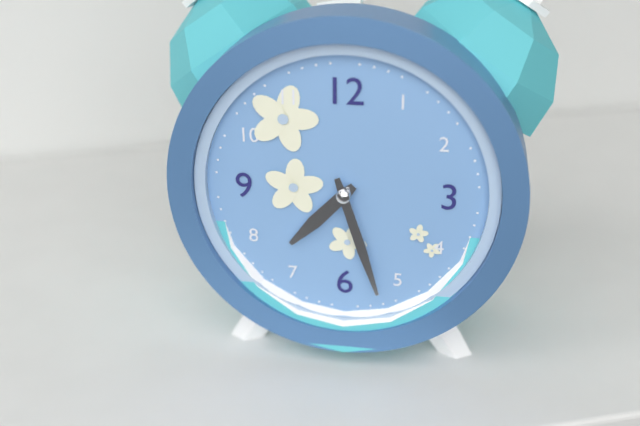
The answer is 7.27
